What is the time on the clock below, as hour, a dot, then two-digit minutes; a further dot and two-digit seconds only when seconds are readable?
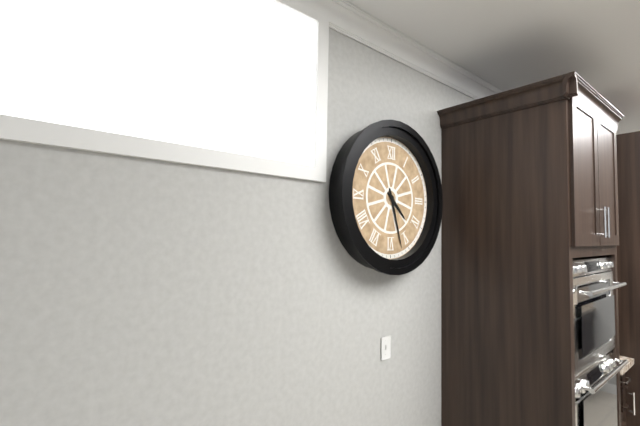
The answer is 4.27
